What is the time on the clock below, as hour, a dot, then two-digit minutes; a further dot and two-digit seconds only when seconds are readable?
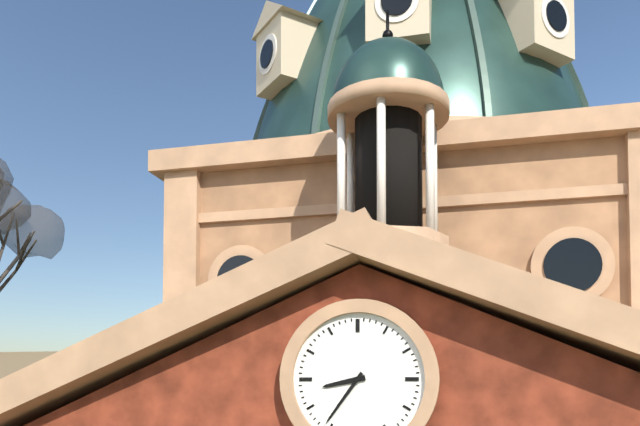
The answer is 8.36
